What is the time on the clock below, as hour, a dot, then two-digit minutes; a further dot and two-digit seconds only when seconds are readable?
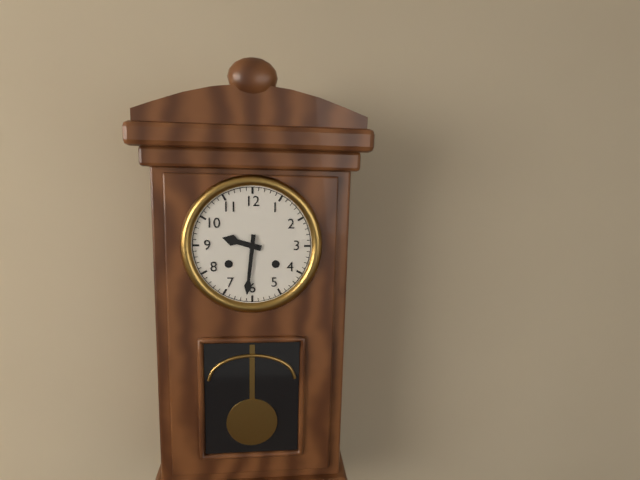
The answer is 9.31
